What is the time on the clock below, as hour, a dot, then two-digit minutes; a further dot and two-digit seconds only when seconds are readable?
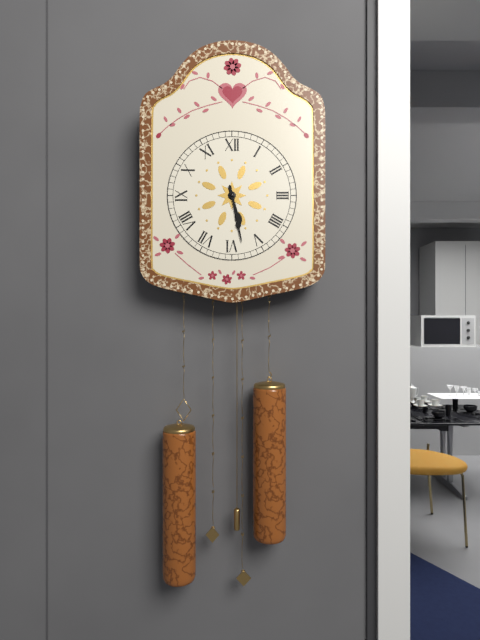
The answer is 5.28
